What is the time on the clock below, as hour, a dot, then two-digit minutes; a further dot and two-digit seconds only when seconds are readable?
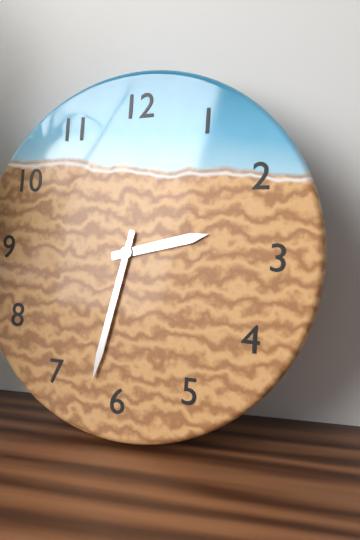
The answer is 2.32
